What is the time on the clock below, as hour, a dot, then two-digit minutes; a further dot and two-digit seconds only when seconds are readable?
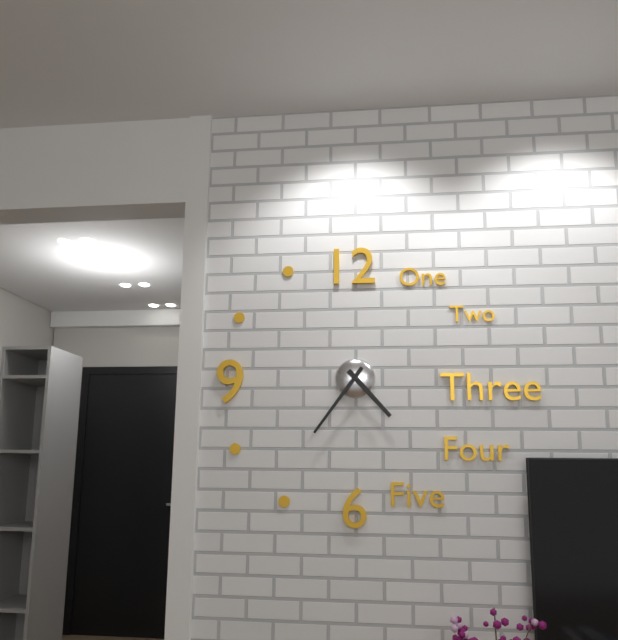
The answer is 4.36
